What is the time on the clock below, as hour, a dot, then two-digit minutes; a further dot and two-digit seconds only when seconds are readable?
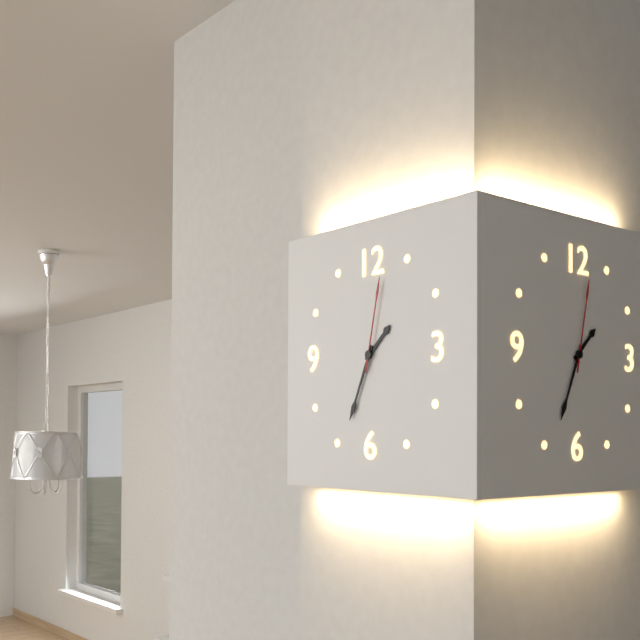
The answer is 1.34.02
